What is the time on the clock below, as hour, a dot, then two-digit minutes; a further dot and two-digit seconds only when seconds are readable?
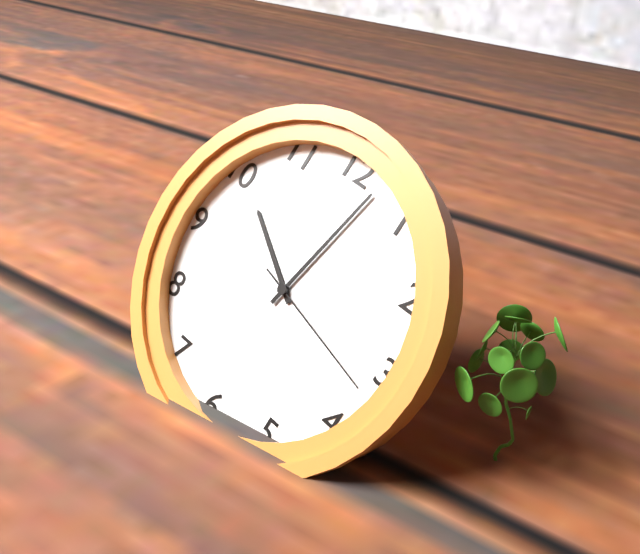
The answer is 10.02.17
